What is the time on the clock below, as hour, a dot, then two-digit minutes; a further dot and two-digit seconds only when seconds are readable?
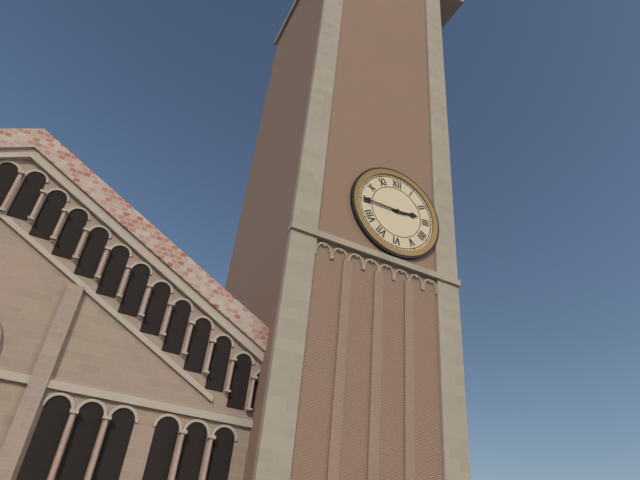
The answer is 2.45
